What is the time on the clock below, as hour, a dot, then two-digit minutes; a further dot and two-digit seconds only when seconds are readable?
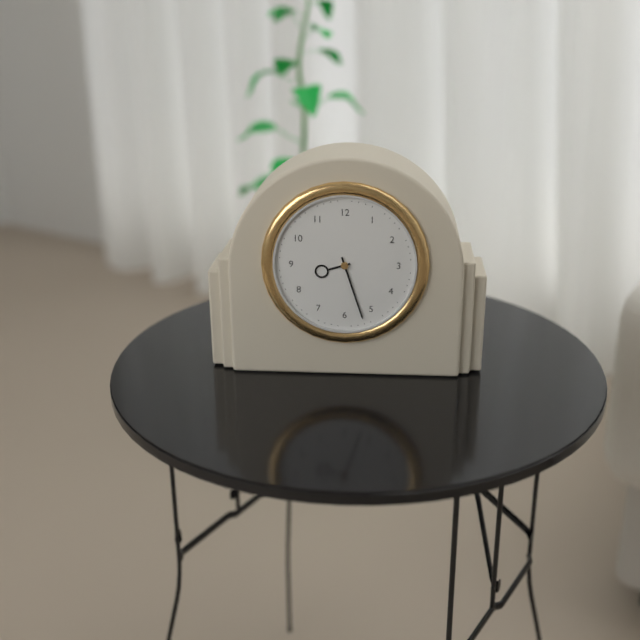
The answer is 8.27
